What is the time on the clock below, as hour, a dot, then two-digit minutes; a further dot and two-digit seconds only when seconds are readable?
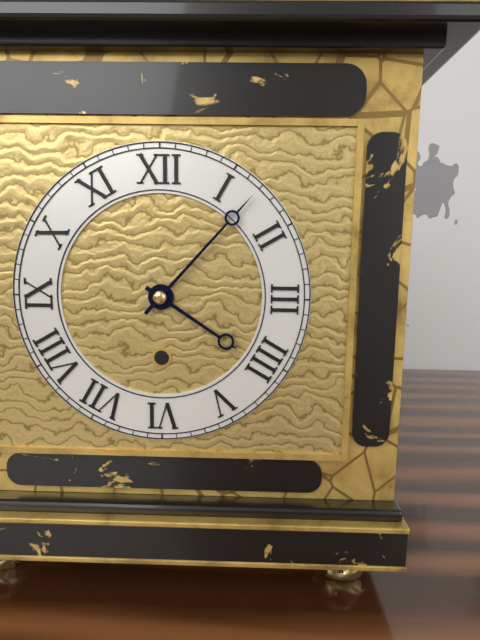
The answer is 4.07
